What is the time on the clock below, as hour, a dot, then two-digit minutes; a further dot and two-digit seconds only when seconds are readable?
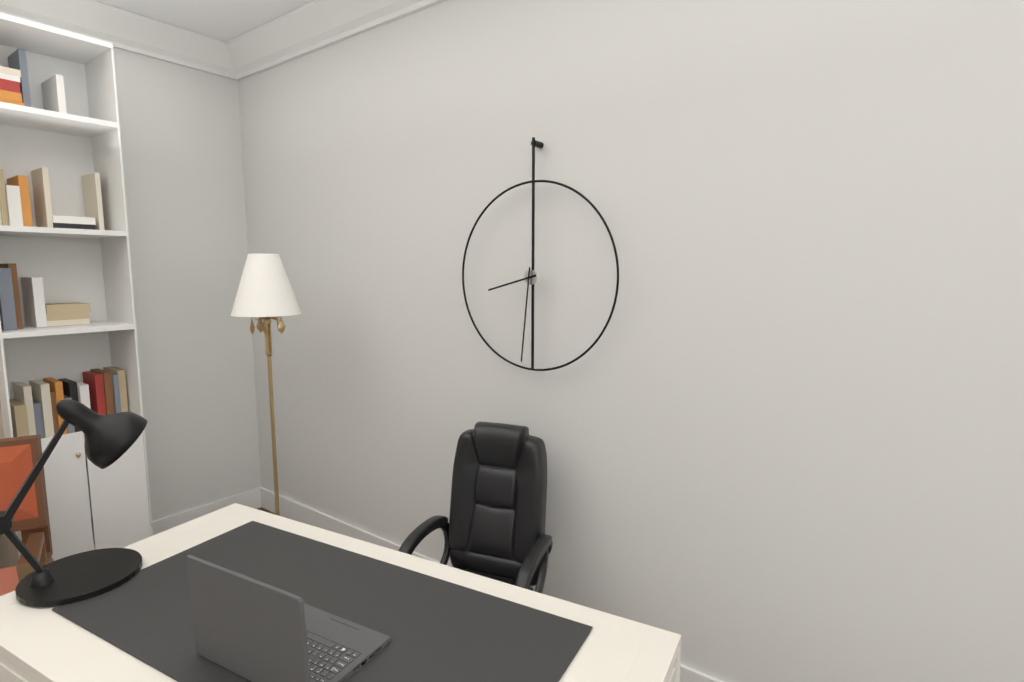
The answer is 8.31
